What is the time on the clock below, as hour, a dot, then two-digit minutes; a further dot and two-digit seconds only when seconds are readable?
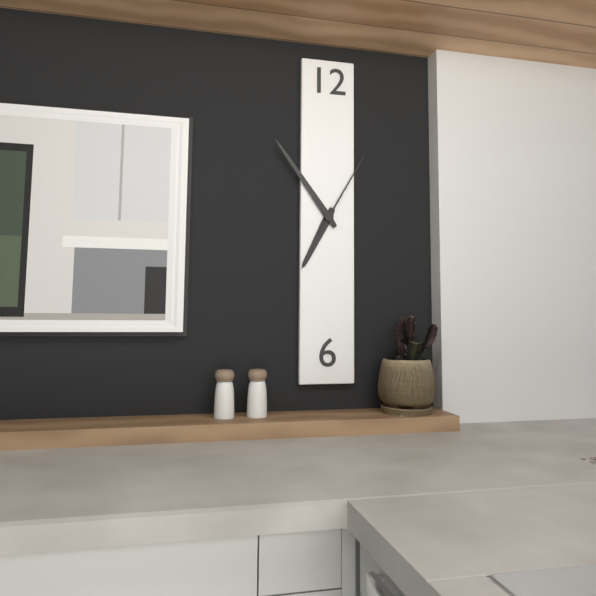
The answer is 6.54.05
